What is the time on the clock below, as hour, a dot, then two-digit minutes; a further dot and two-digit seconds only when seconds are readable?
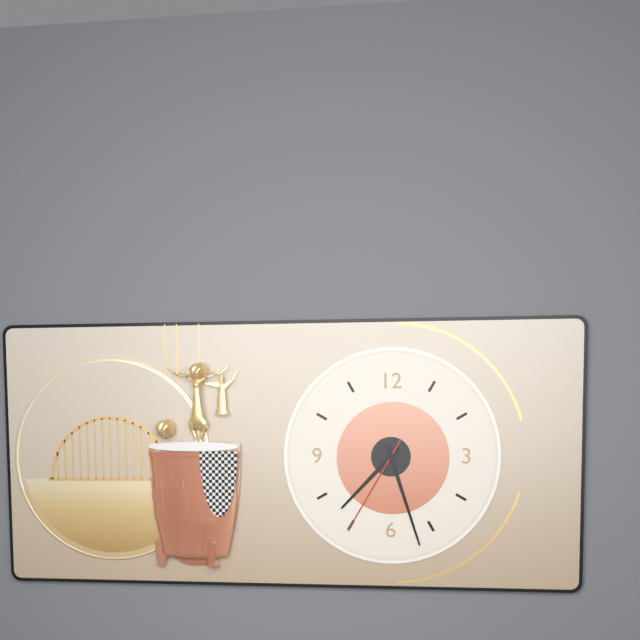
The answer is 7.27.35
